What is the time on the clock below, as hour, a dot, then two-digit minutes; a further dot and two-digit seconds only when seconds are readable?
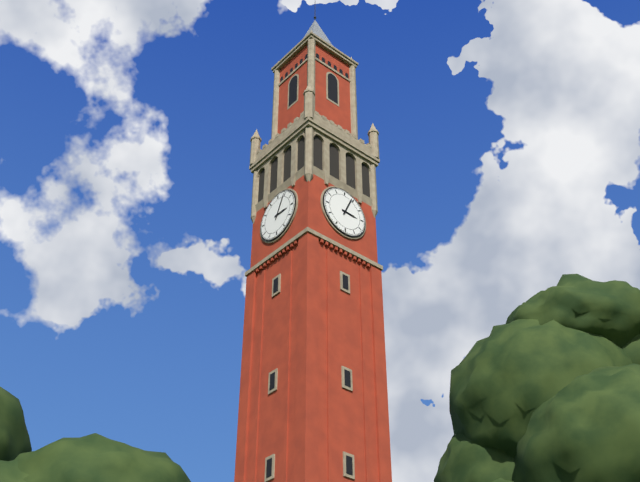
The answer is 3.04
